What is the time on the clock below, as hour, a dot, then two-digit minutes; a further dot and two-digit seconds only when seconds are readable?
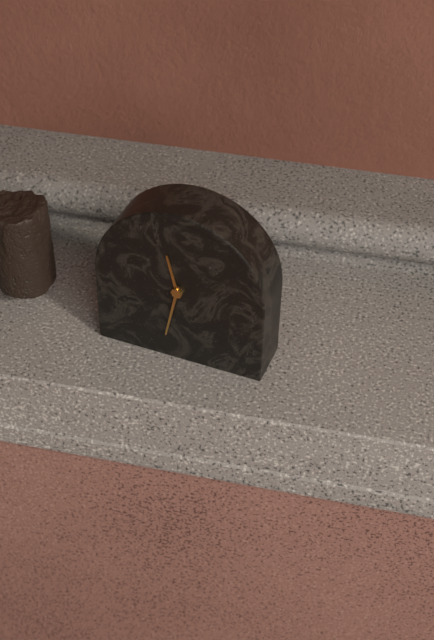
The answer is 11.32
